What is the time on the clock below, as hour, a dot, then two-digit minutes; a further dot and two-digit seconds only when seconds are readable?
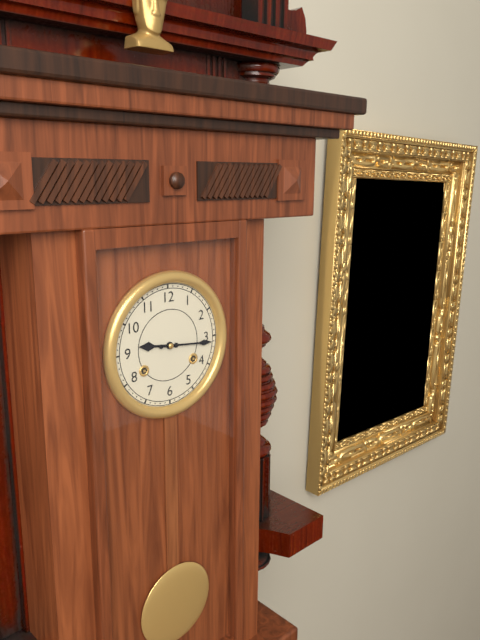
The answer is 9.16
